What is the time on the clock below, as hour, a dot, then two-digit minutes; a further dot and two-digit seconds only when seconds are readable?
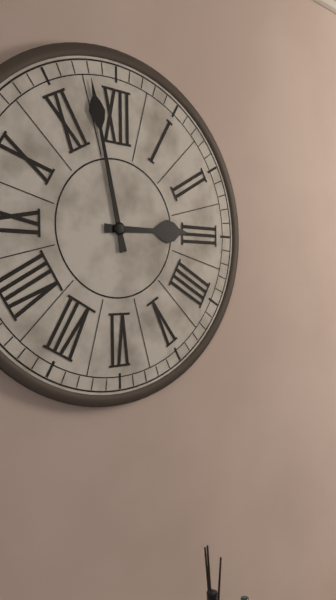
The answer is 2.58
